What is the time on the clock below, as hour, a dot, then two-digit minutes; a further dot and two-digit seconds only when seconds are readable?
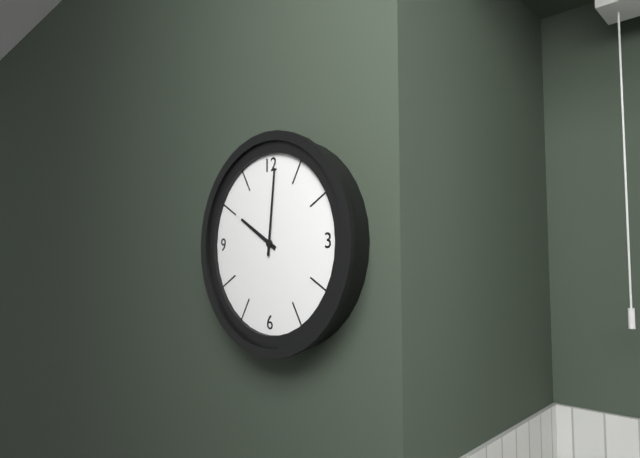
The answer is 10.01
